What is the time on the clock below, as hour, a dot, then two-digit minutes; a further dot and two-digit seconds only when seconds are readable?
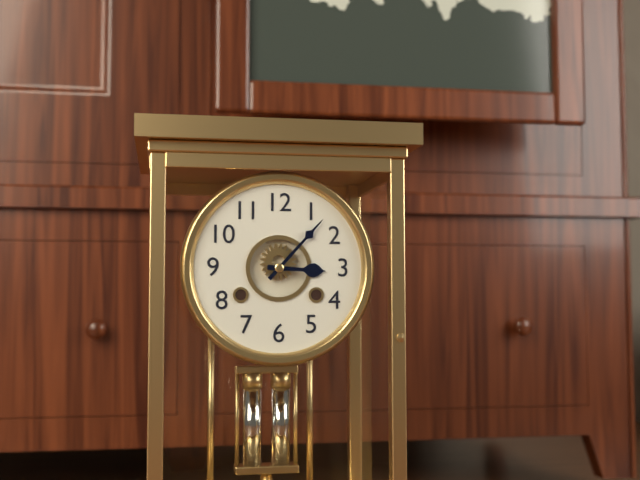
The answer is 3.07
